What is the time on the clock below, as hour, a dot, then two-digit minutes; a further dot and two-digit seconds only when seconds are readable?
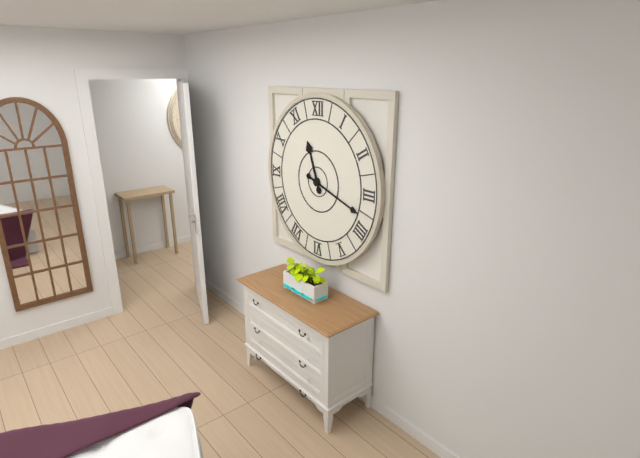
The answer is 11.18
